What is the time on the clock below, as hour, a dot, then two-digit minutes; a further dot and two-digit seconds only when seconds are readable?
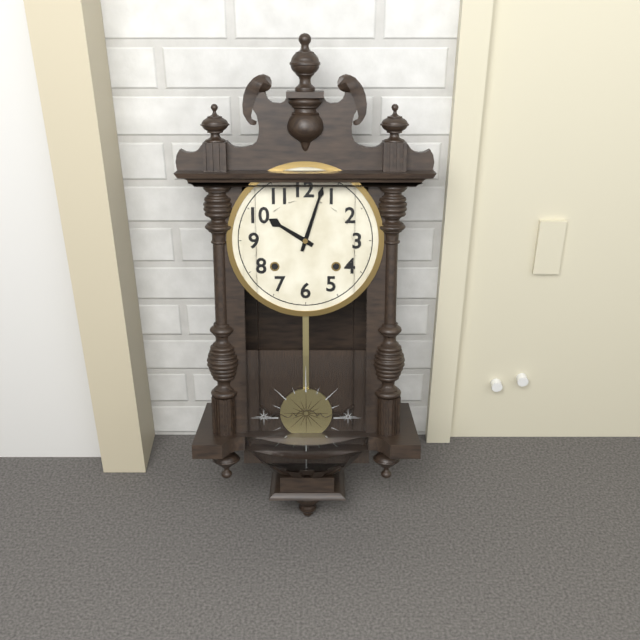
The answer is 10.03
